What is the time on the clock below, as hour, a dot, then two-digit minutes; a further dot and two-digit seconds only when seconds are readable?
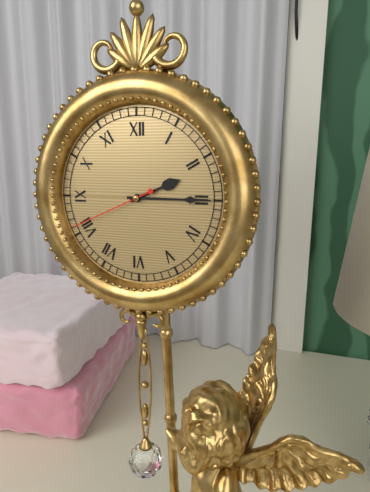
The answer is 2.15.41
